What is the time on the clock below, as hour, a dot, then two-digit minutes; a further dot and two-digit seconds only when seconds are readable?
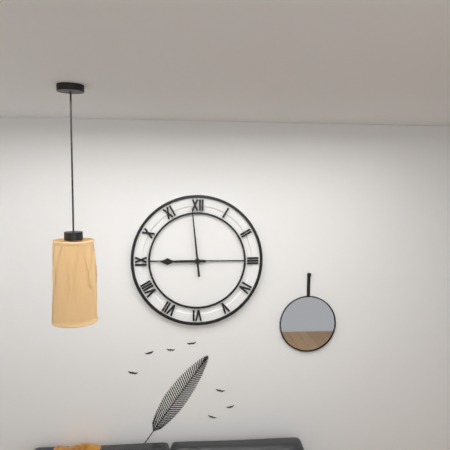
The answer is 8.59
